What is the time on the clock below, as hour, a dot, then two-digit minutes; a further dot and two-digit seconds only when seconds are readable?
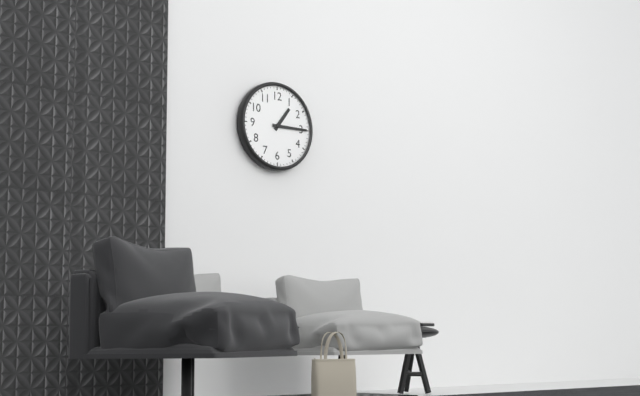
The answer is 1.15
